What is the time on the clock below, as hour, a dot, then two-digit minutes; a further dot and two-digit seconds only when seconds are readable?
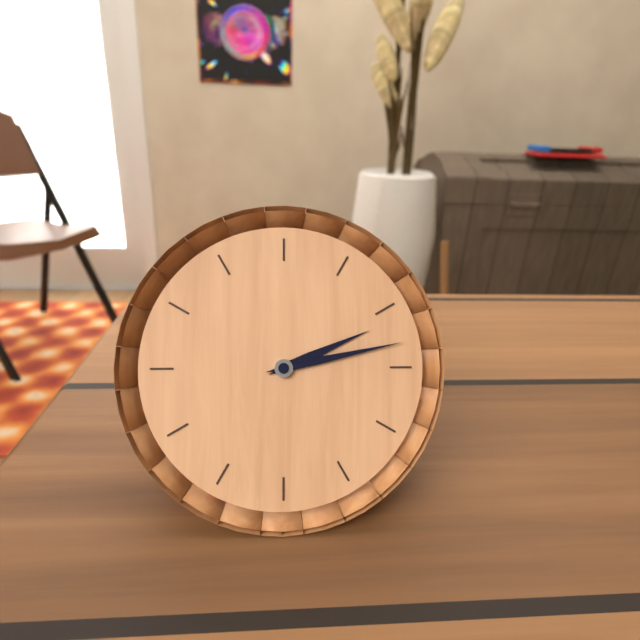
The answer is 2.13
